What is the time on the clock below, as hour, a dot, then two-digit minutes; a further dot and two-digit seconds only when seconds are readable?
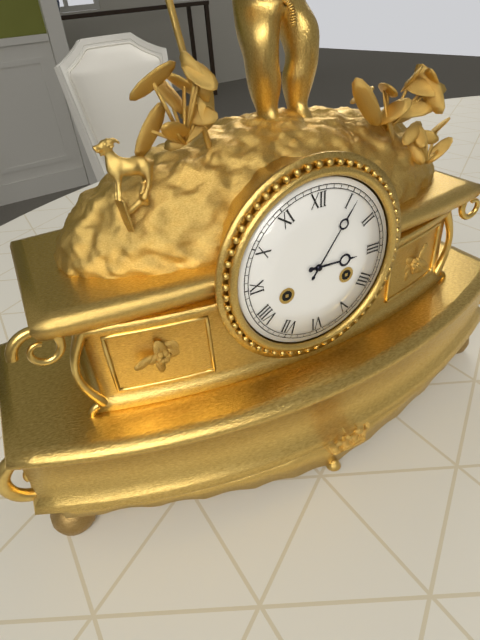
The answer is 3.06
